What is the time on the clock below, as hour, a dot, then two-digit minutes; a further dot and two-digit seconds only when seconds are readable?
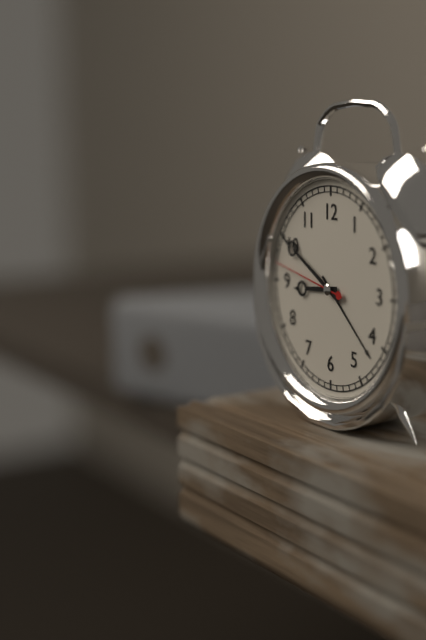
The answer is 8.50.47
